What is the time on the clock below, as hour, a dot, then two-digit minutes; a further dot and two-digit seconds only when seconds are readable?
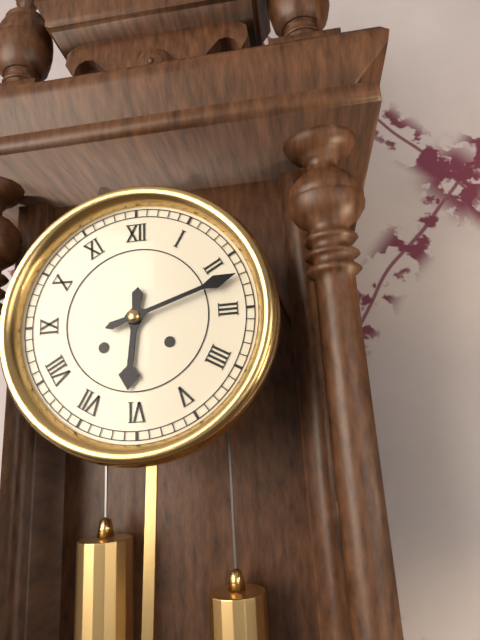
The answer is 6.12
